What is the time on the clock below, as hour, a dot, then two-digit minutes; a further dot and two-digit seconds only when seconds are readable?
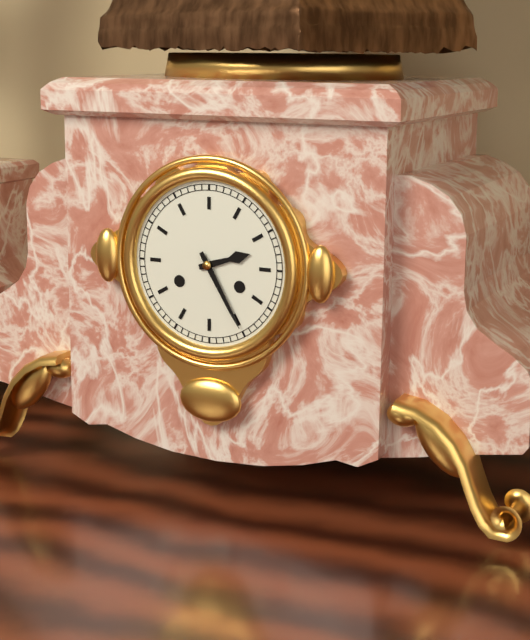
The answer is 2.25
